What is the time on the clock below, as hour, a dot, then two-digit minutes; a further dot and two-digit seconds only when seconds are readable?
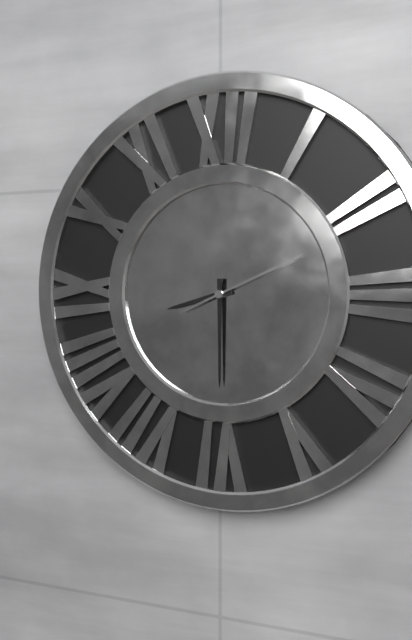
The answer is 8.30.11
